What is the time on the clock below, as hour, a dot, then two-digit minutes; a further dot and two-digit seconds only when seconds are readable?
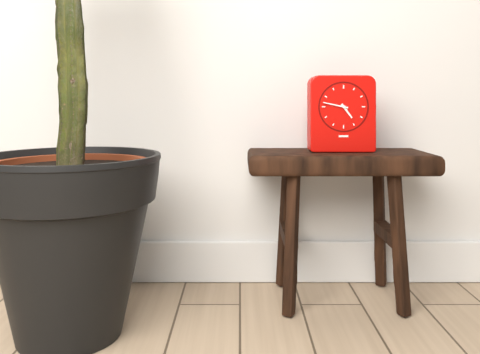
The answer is 4.47
